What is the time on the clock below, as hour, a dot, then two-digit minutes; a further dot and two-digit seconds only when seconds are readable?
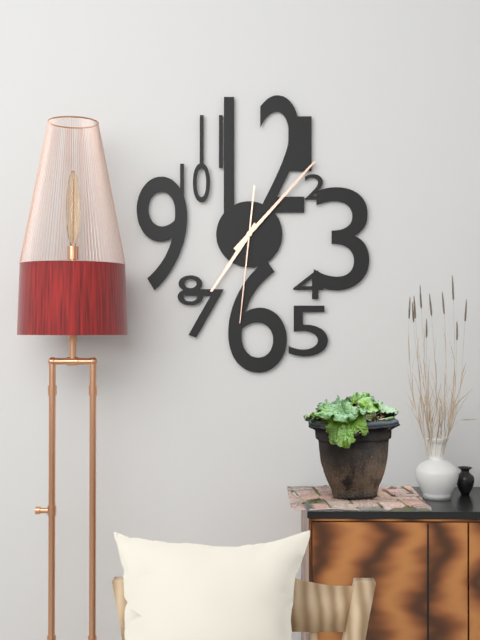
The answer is 7.07.31
